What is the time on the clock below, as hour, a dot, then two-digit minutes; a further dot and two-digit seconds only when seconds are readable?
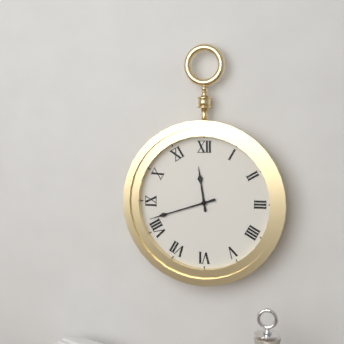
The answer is 11.42
